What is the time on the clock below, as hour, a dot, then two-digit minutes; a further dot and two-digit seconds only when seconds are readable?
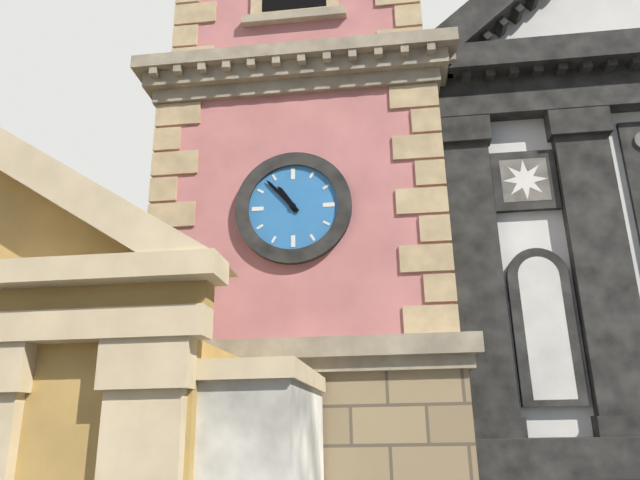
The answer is 10.53
